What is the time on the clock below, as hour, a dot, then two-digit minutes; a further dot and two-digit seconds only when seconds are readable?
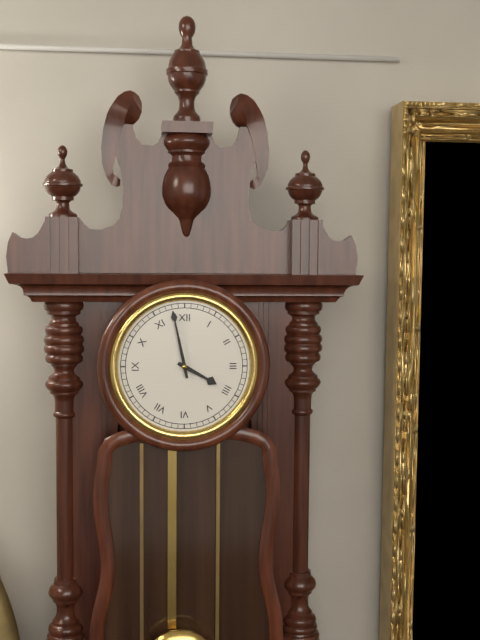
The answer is 3.58
